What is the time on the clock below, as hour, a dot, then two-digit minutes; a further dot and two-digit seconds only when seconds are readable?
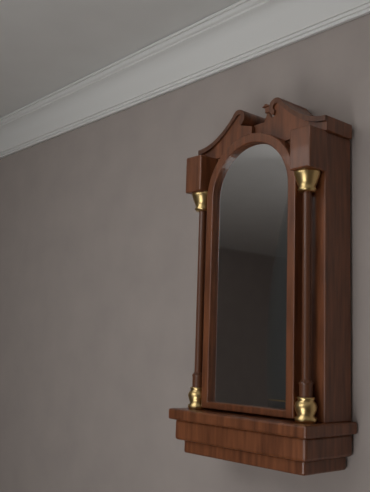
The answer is 8.45
